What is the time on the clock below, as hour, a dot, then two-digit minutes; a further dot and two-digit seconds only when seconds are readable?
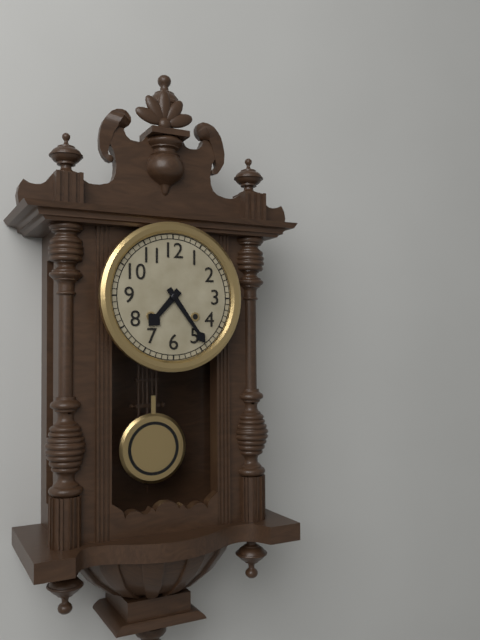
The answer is 7.24
